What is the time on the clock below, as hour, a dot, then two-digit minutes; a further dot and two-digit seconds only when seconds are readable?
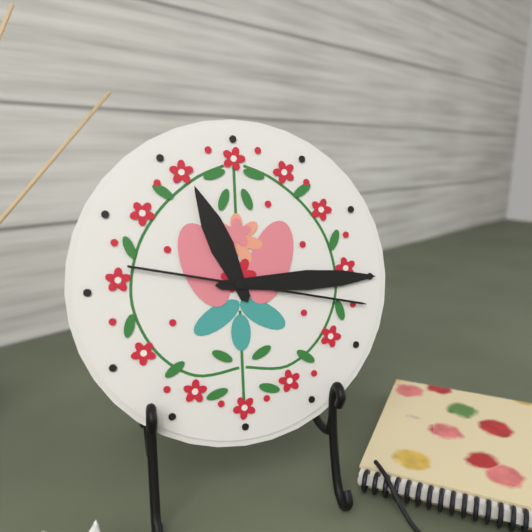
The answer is 11.15.17
